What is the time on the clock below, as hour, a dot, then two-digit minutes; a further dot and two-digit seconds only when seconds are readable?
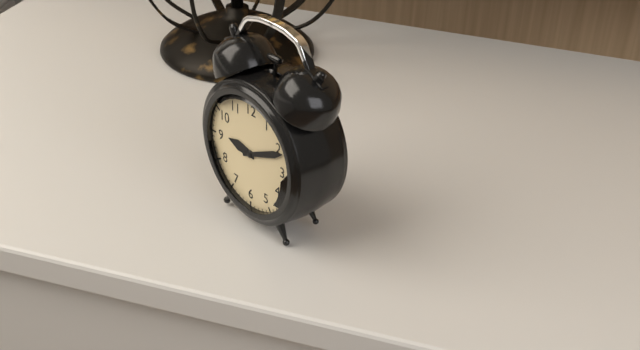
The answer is 9.11
